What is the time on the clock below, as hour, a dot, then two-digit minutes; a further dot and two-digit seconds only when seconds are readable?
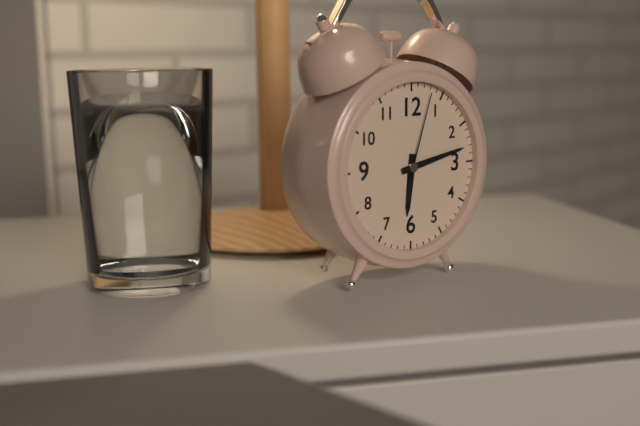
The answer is 6.13.03
